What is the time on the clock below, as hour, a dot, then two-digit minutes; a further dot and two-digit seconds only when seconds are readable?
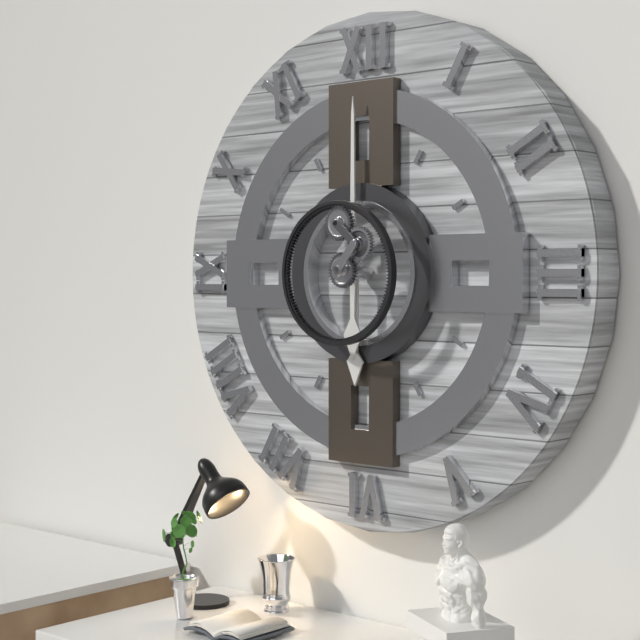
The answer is 6.00
